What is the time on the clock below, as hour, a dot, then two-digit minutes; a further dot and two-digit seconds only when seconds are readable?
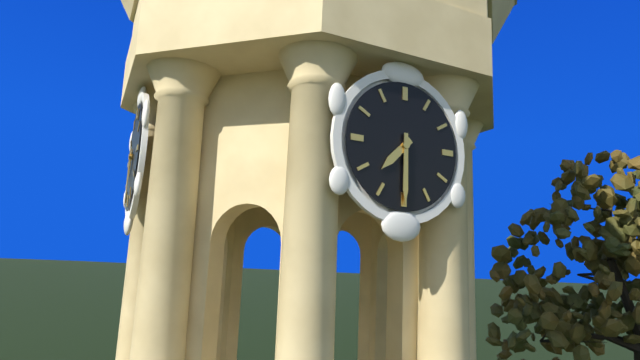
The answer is 7.30
